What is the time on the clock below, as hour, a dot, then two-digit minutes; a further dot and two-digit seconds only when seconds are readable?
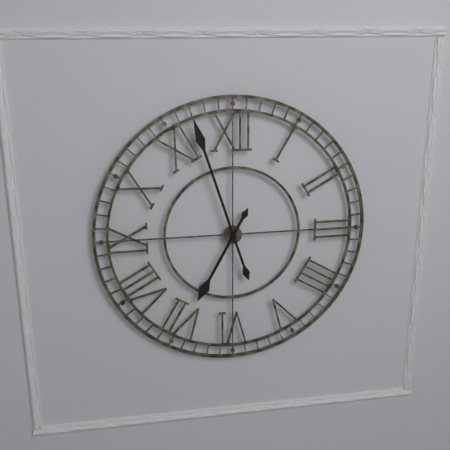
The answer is 6.57
